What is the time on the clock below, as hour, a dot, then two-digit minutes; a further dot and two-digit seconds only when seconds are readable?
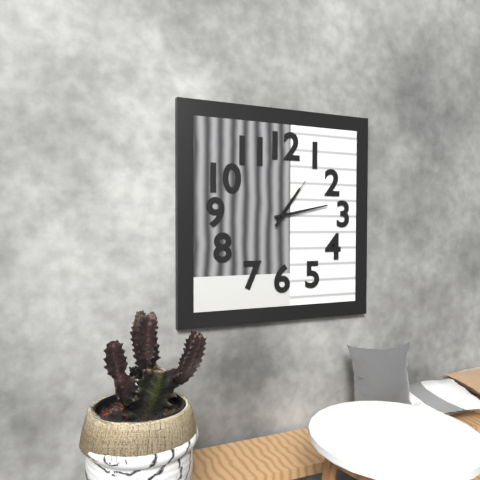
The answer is 1.13.06
